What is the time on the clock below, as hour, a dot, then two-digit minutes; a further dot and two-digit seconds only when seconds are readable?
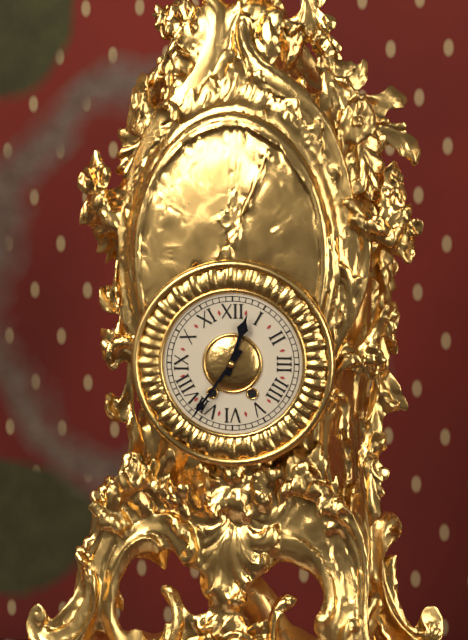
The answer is 12.36
